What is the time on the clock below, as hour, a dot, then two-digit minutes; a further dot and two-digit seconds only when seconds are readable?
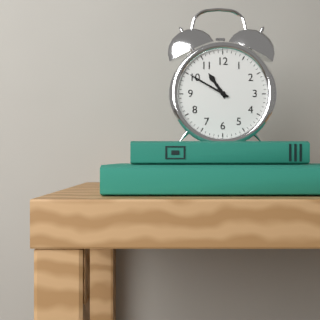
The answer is 10.50
